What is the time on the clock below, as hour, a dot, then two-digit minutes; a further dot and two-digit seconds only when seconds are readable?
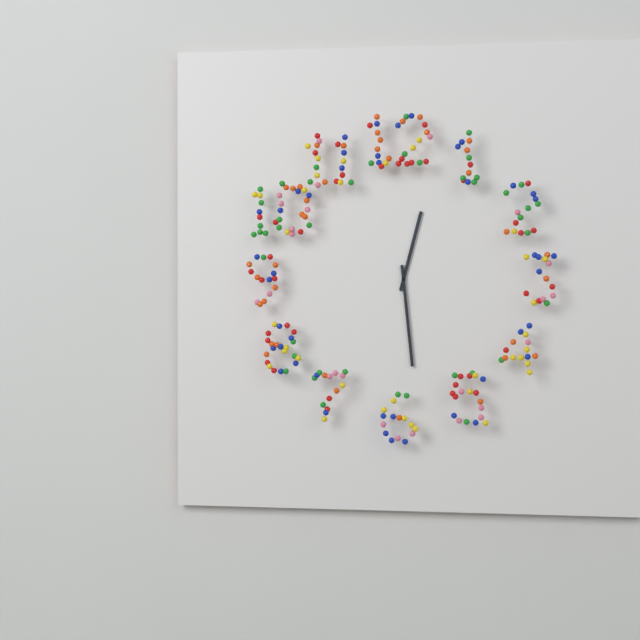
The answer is 12.29
